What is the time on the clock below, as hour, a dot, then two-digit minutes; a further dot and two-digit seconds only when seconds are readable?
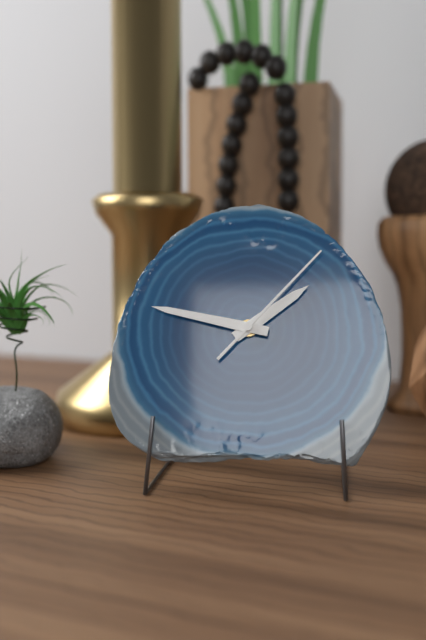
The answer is 1.47.07
